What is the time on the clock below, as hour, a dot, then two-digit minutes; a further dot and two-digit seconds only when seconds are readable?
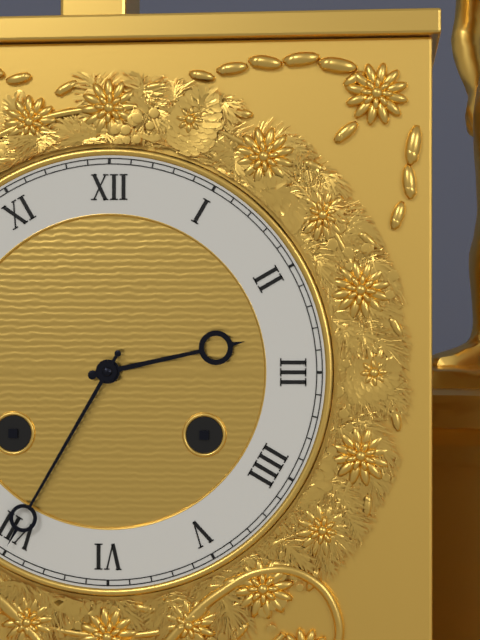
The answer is 2.35
